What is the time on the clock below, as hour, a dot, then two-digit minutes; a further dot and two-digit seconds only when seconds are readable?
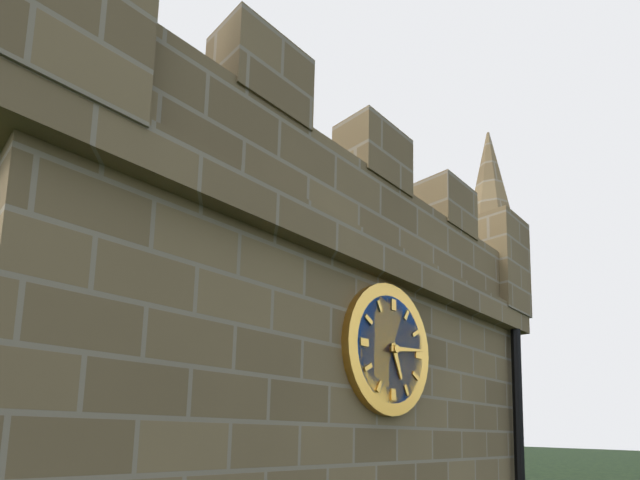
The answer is 5.14
